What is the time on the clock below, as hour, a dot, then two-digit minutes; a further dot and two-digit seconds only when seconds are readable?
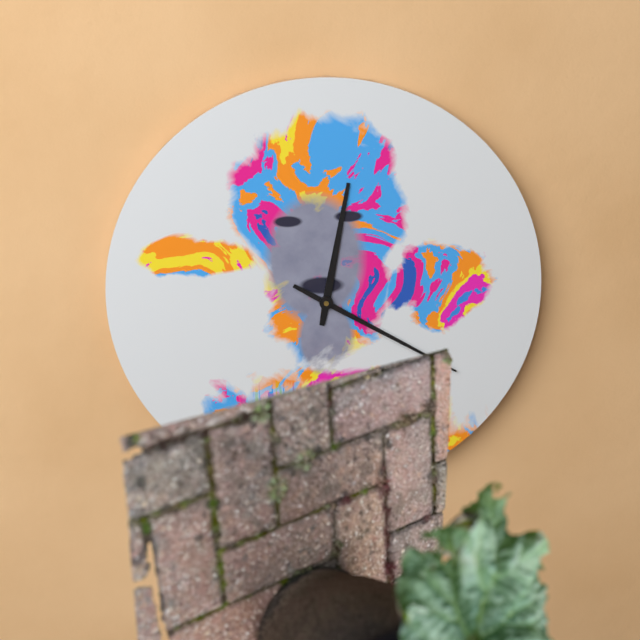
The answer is 12.20
